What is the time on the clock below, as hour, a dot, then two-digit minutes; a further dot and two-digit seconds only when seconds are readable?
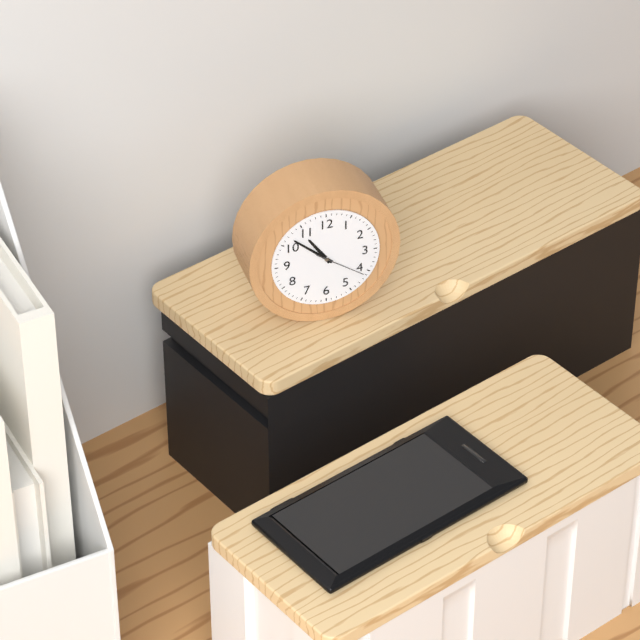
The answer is 10.52.21
